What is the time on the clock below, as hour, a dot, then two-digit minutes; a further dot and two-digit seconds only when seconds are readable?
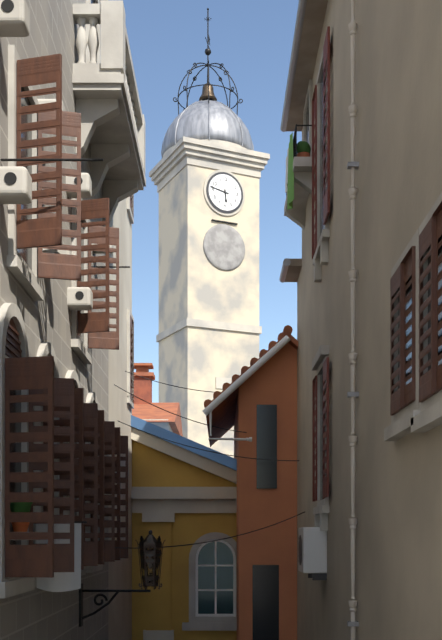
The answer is 5.47
